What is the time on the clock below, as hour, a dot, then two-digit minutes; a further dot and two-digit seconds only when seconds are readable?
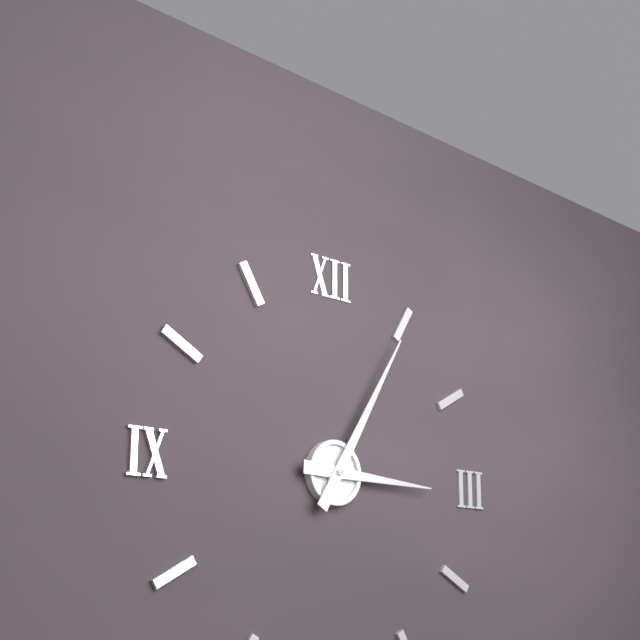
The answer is 3.05
